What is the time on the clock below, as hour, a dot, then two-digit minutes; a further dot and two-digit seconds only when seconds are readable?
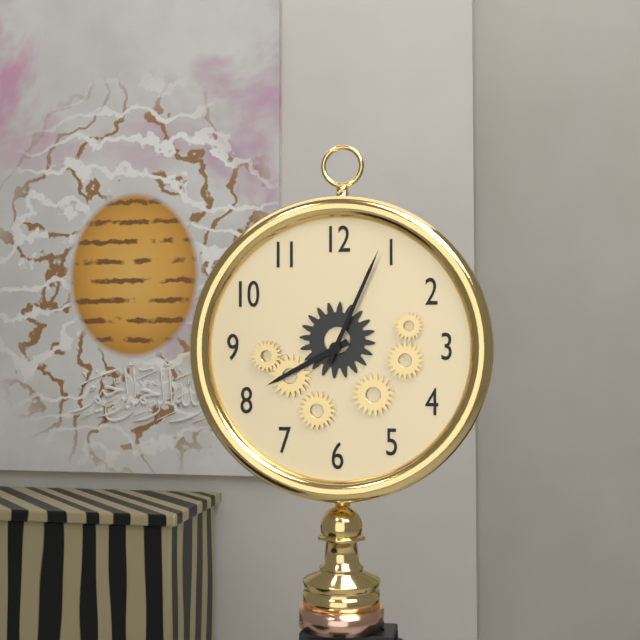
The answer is 8.04
